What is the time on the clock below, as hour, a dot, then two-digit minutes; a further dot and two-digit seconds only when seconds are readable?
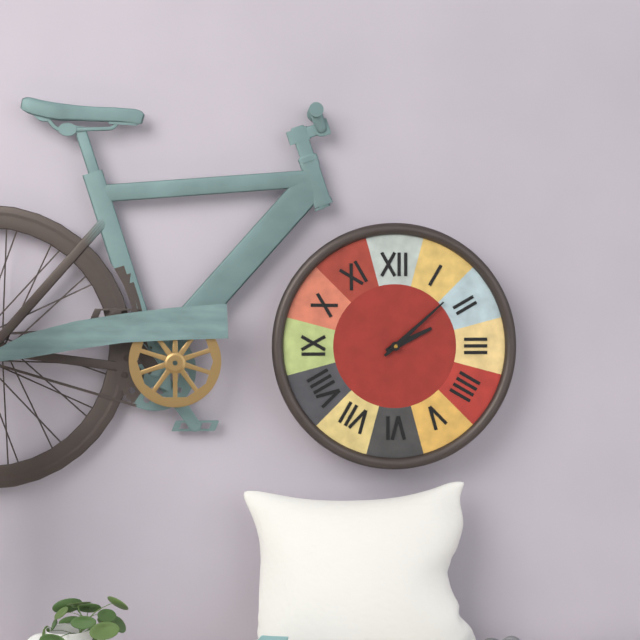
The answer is 2.08
